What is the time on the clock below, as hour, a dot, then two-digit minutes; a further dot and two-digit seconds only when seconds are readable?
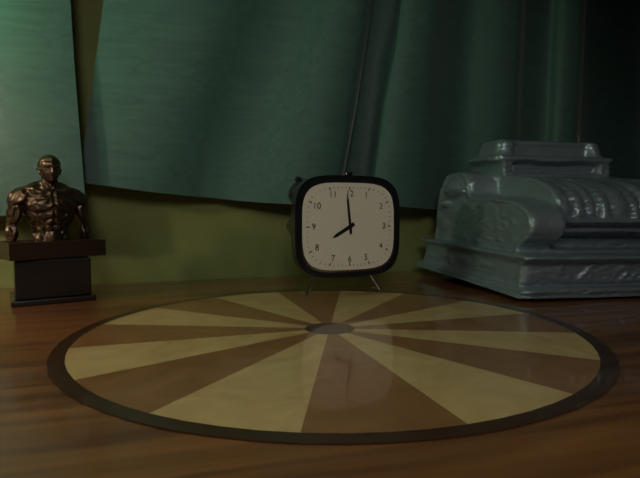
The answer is 7.59
